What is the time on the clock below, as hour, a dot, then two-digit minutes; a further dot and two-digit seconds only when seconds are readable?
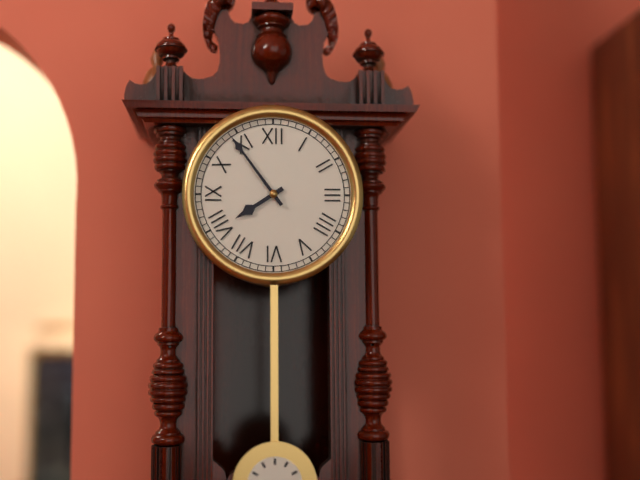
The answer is 7.54
